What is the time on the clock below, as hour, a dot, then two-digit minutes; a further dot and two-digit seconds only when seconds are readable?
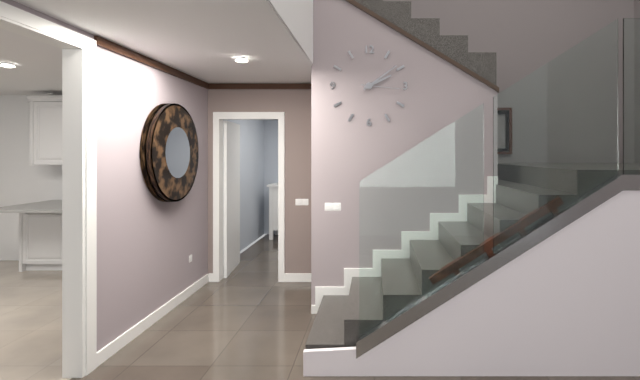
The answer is 2.09
